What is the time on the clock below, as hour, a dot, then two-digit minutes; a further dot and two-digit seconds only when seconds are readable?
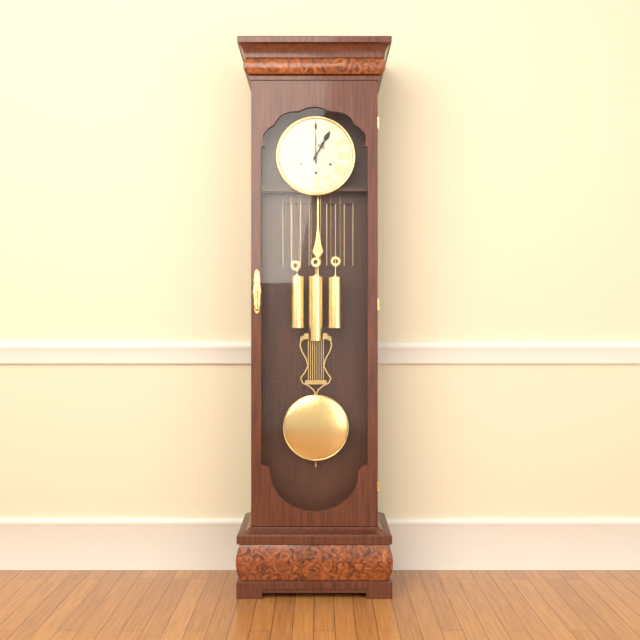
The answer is 1.00
